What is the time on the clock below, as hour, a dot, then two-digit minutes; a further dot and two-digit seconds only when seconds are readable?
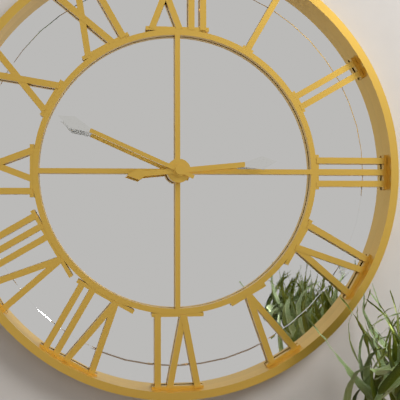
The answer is 2.49
